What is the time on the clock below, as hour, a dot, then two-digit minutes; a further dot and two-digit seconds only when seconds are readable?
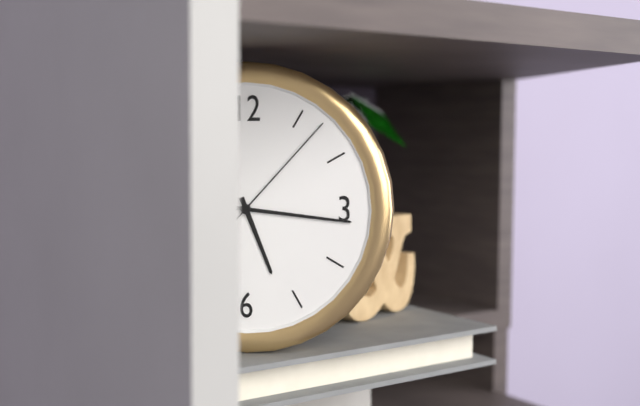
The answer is 5.16.07
